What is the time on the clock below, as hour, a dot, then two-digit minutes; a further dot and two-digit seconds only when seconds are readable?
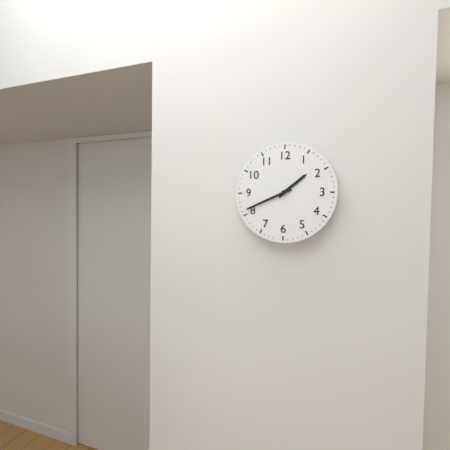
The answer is 1.41
